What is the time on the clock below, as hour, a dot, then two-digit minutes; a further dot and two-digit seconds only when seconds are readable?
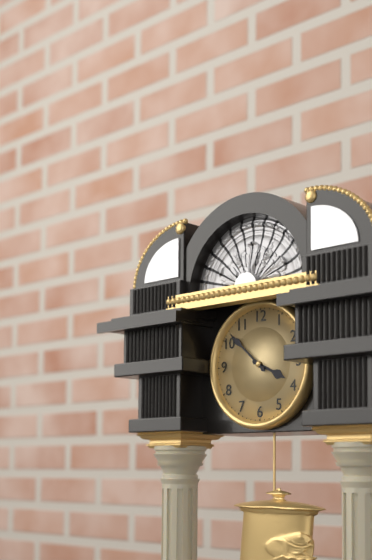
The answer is 3.52
